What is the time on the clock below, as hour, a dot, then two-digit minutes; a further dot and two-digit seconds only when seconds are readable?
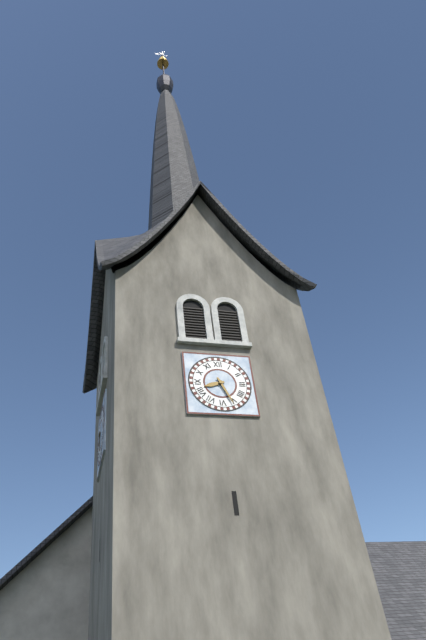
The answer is 8.26
